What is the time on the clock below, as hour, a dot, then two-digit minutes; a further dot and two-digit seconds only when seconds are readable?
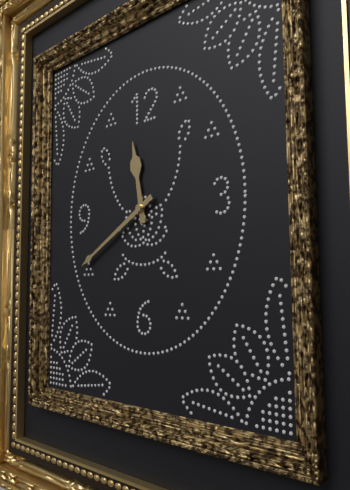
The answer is 11.40
